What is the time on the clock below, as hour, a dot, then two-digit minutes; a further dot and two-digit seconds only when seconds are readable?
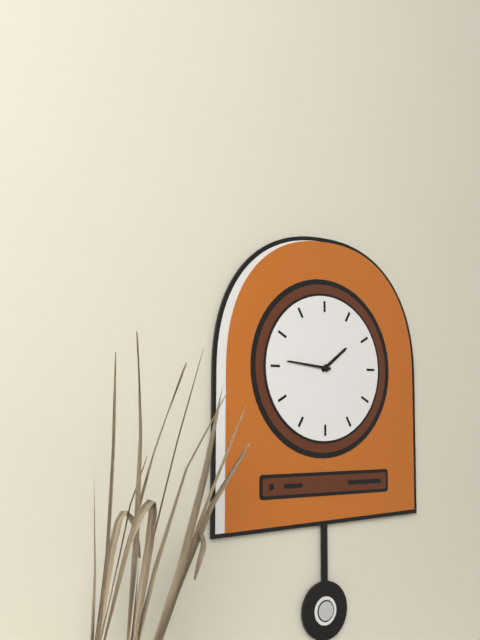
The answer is 1.46
